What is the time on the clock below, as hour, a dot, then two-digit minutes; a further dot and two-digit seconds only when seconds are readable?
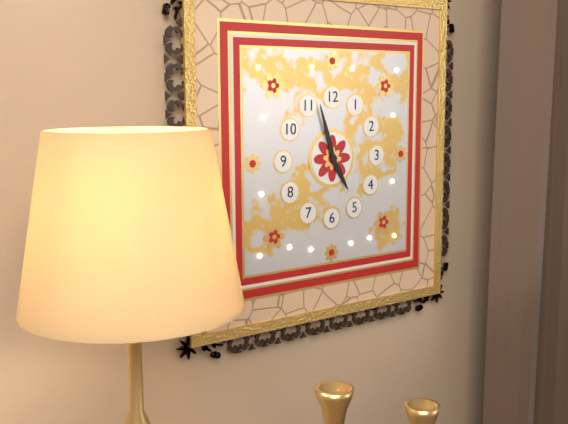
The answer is 4.57
